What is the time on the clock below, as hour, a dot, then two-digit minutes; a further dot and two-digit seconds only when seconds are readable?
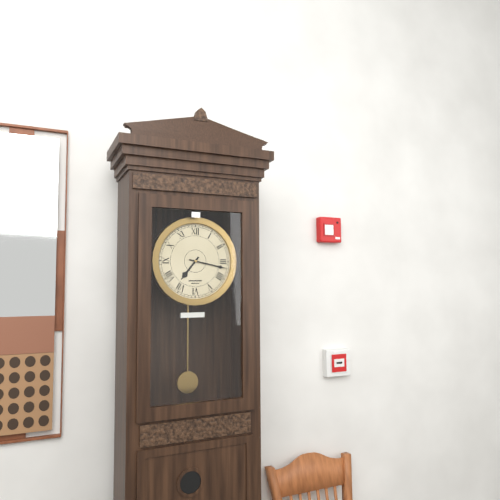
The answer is 7.17
